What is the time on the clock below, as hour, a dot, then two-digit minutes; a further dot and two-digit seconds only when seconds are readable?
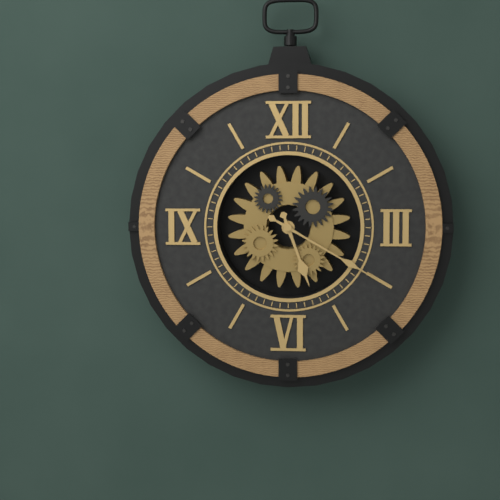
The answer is 5.20
